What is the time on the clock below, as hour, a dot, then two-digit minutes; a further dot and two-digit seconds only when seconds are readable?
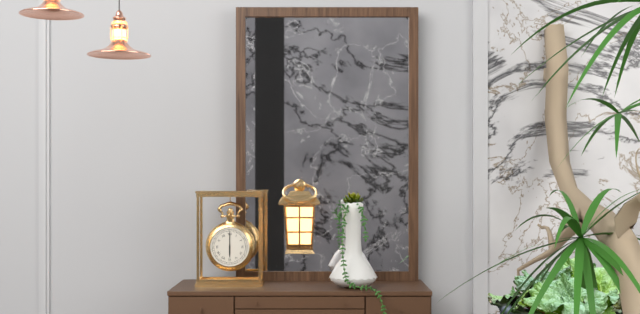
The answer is 6.00
